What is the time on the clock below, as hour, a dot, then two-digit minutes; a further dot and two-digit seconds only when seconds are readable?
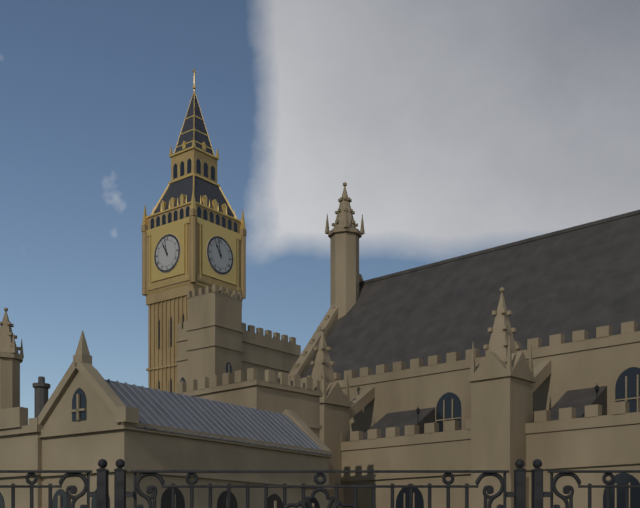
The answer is 10.58
